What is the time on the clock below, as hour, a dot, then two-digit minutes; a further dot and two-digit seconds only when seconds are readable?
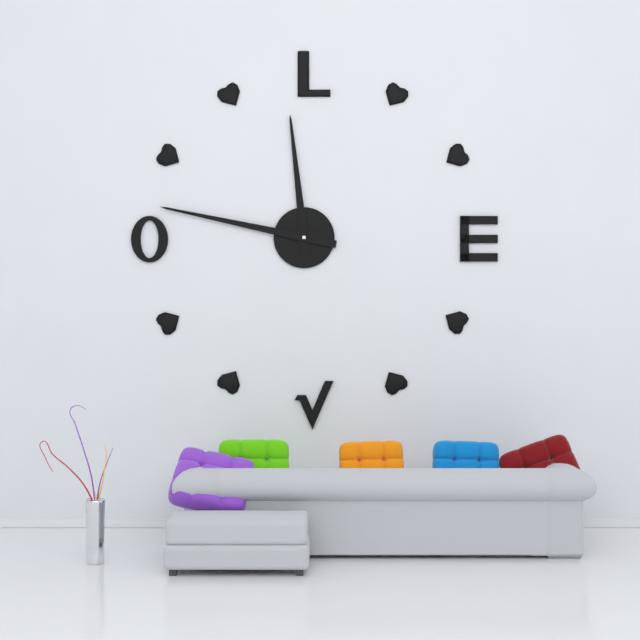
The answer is 11.47
